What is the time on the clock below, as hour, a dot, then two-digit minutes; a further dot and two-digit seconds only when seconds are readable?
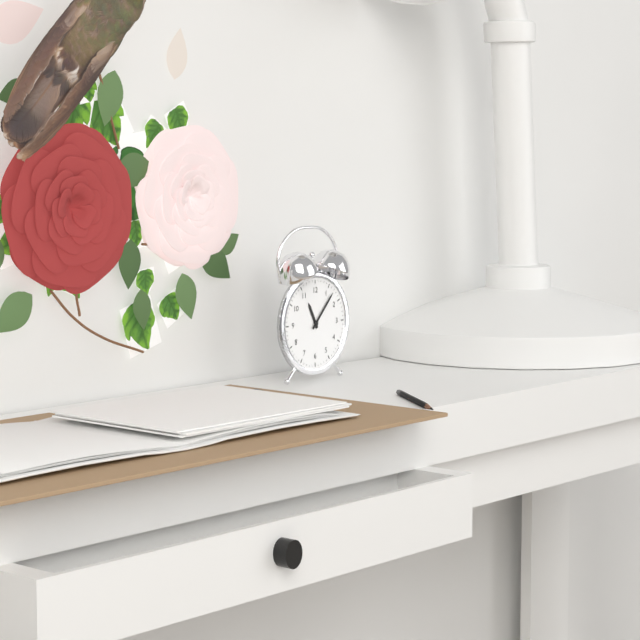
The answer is 11.07
